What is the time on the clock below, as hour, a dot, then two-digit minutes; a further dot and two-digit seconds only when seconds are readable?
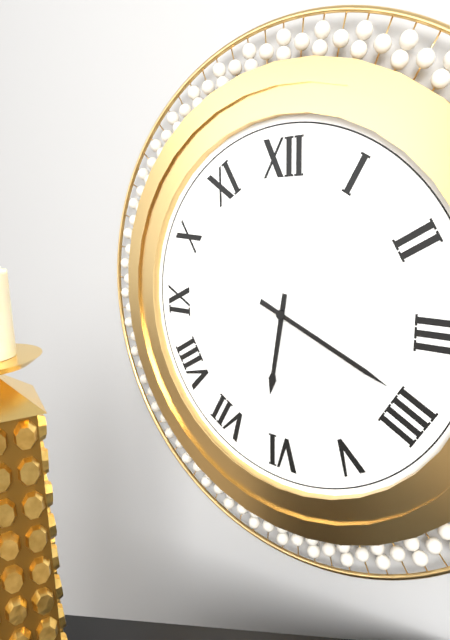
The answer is 6.19
